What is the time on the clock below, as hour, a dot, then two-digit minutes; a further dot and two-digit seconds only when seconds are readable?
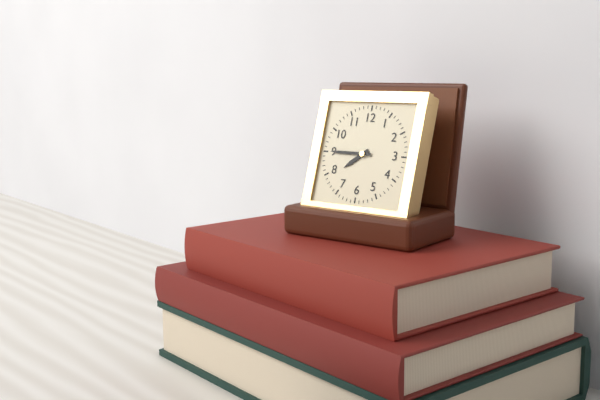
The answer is 7.45
